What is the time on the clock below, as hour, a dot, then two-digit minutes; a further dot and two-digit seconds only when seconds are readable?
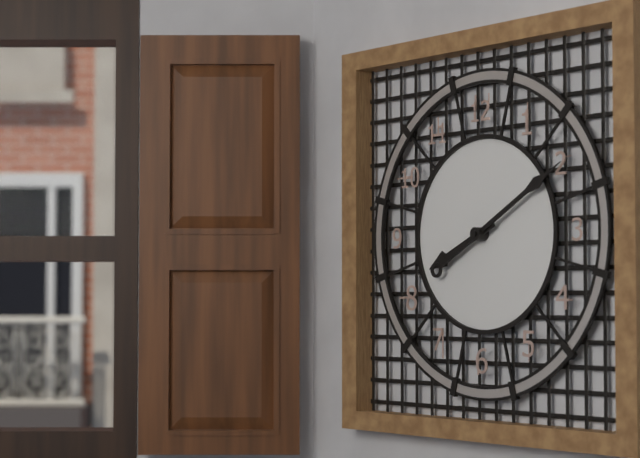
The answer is 8.10
